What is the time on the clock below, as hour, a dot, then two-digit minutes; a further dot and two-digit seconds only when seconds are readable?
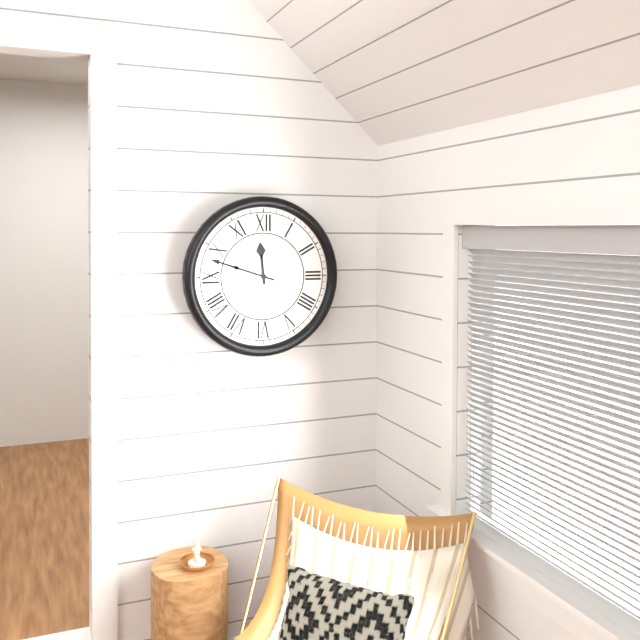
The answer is 11.48
